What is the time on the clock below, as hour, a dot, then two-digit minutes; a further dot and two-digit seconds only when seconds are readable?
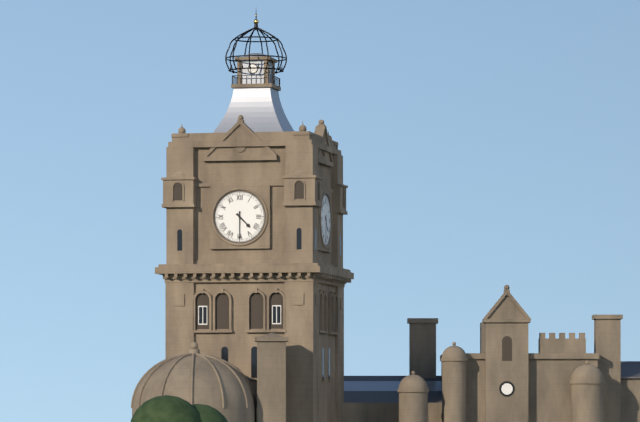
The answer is 4.30
